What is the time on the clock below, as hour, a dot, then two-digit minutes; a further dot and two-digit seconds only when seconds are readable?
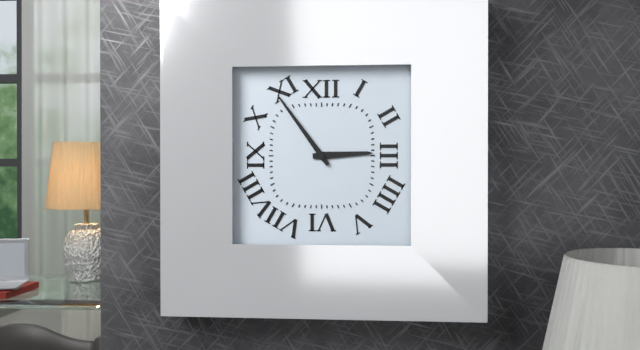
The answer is 2.54
